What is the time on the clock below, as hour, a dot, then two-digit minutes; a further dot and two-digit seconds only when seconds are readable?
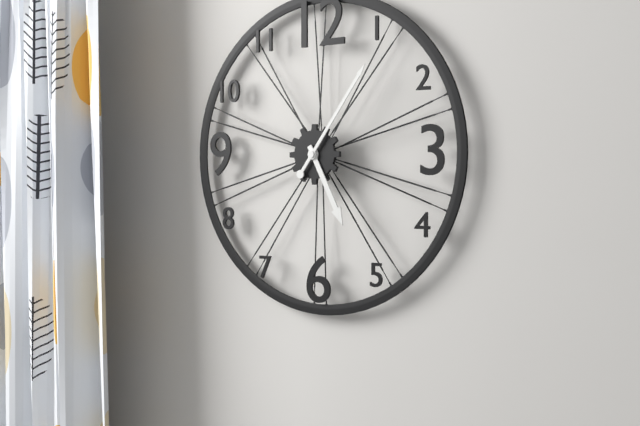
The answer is 5.06
